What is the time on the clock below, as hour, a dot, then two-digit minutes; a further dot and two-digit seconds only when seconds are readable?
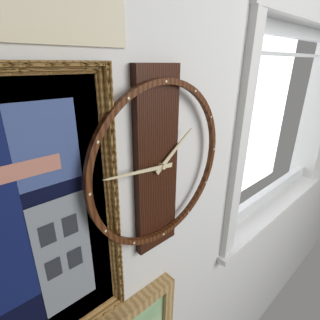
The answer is 1.46
